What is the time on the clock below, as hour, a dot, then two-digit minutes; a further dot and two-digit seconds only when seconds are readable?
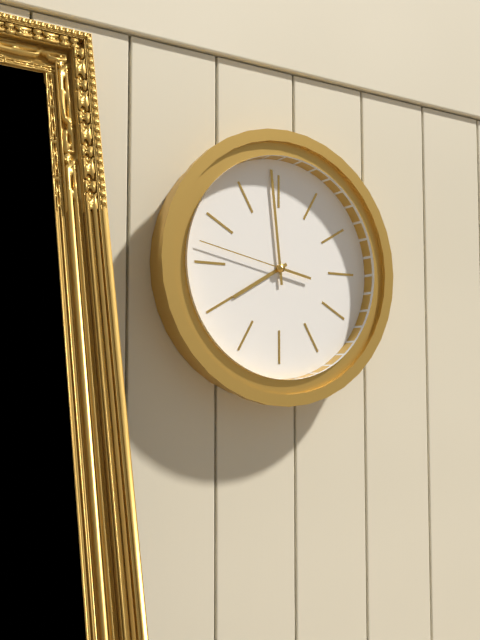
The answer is 7.59.47
